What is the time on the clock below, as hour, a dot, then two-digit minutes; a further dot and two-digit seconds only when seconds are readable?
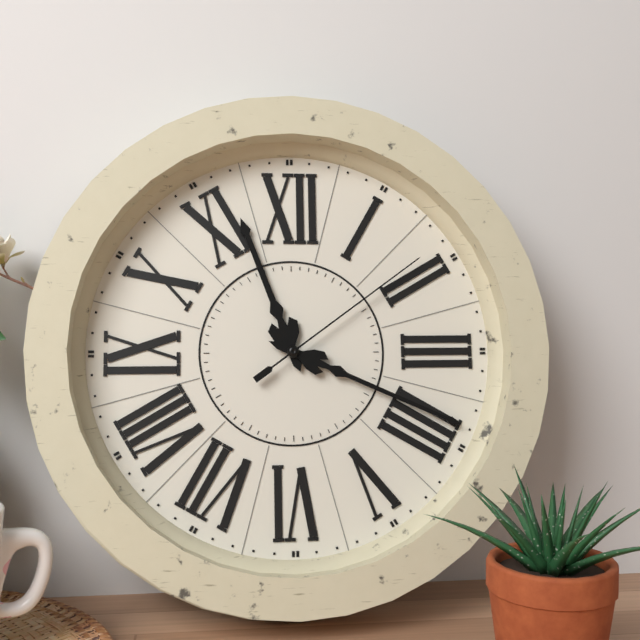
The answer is 11.19.09
